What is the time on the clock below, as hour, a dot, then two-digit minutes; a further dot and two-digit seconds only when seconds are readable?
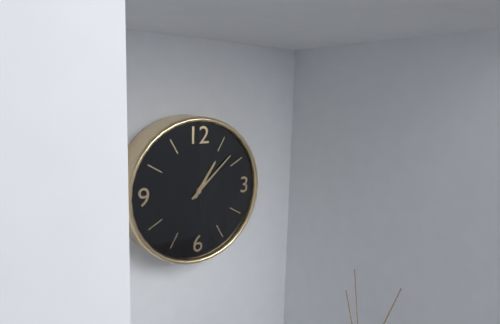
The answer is 1.08
